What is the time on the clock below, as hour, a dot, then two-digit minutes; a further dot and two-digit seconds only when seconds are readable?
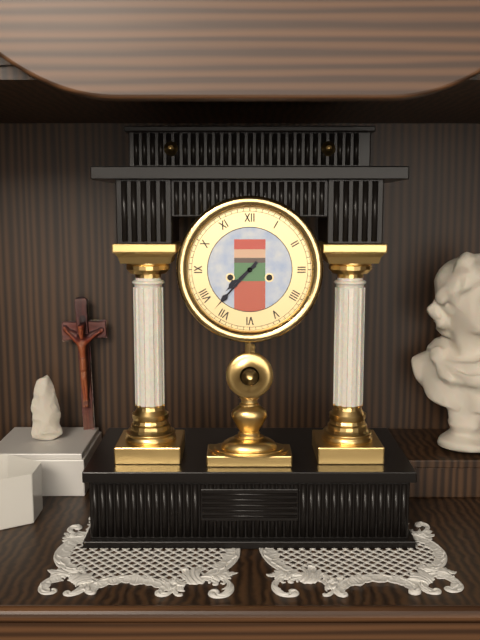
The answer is 7.37
